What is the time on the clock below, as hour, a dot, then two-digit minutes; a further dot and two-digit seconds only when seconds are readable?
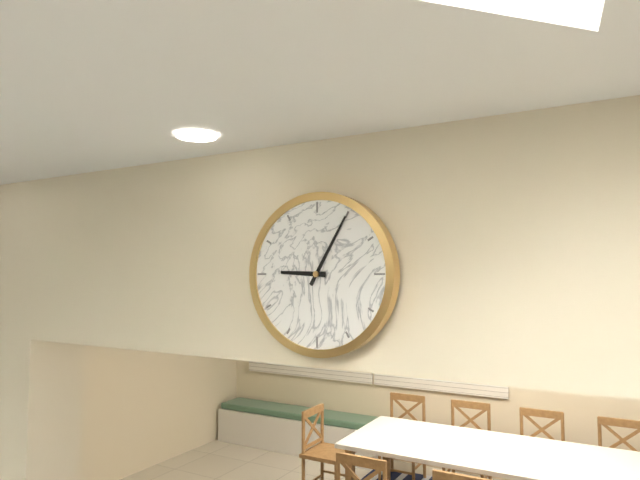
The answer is 9.05
